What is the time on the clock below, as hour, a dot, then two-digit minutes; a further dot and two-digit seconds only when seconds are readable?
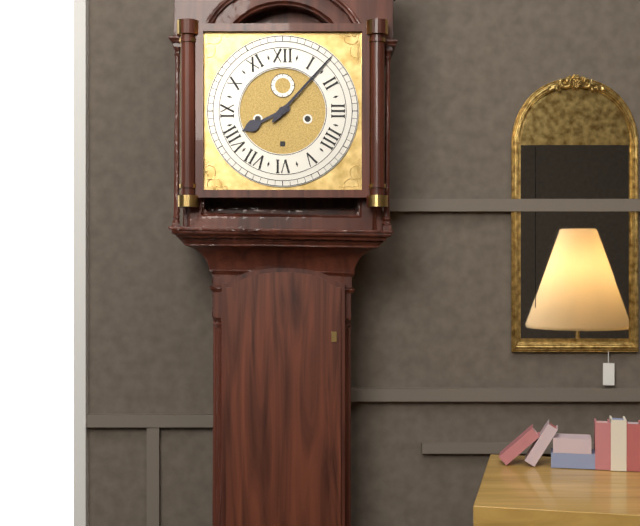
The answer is 8.07
